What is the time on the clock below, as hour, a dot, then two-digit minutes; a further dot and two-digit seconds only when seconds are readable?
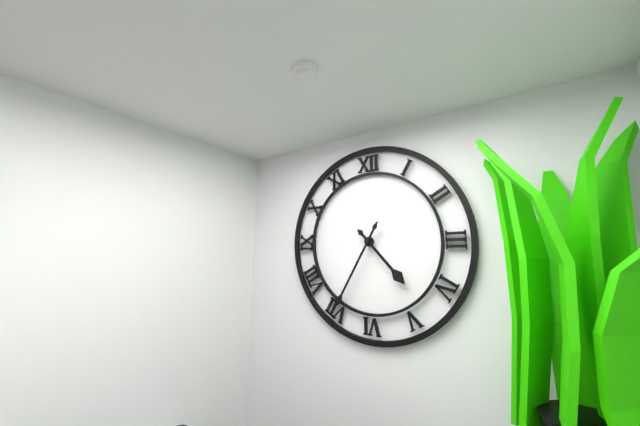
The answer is 4.35
